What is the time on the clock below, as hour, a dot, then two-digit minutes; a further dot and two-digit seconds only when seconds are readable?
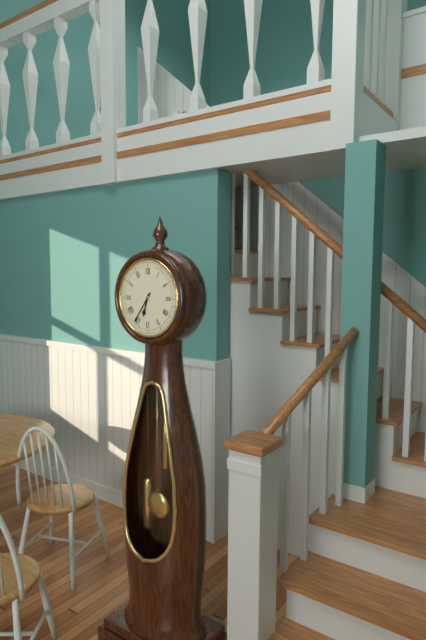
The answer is 6.36
